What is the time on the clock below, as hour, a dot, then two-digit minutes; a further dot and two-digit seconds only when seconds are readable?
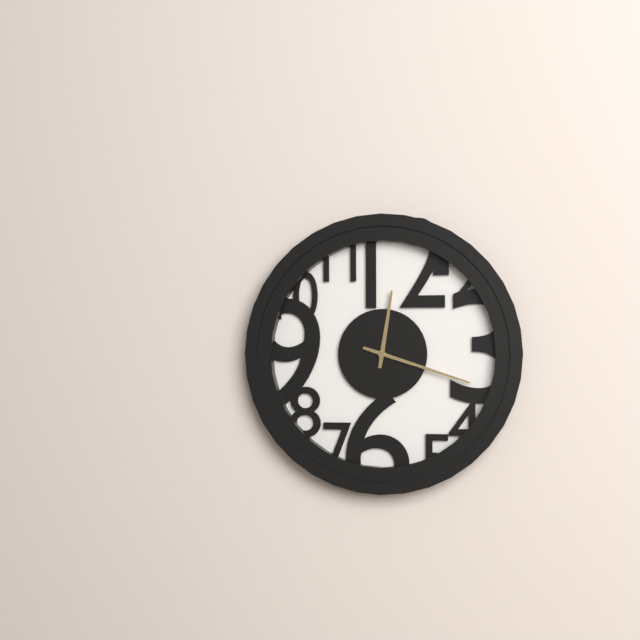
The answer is 12.18
